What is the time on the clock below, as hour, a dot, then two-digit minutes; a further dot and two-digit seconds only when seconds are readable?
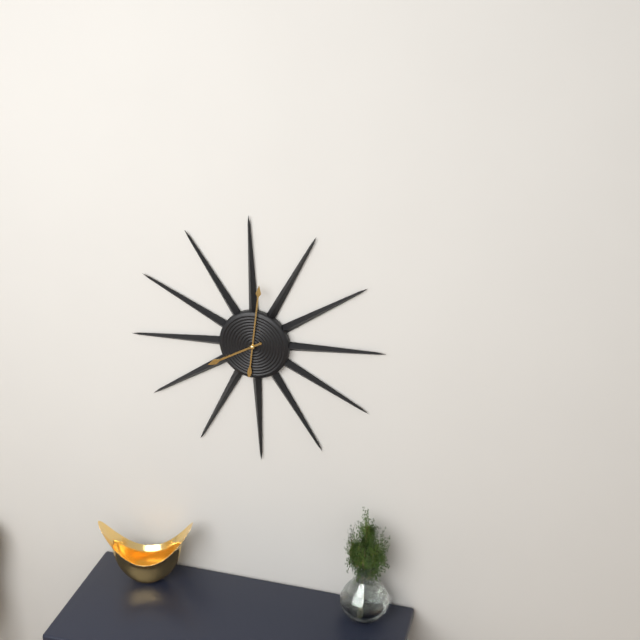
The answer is 8.01
